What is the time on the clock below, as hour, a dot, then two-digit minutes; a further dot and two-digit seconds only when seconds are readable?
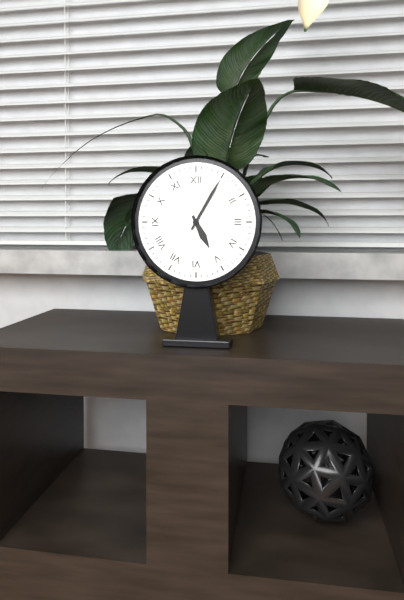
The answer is 5.05
